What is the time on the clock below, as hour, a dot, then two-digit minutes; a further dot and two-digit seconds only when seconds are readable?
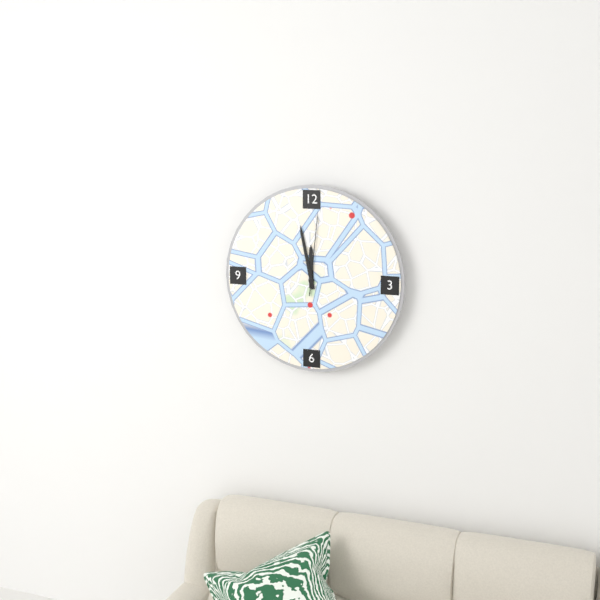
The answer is 11.58.01
